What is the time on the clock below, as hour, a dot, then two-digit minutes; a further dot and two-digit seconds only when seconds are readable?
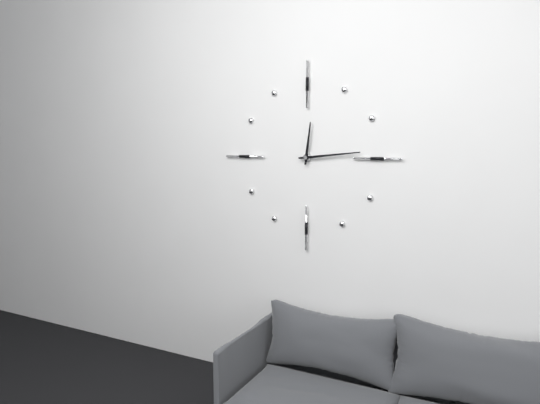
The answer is 12.14
